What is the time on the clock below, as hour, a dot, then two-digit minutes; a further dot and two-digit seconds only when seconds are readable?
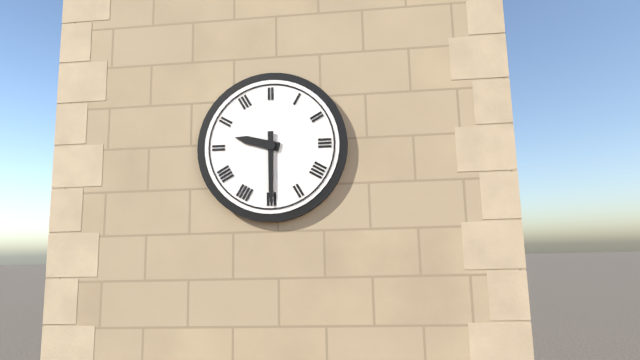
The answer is 9.30
